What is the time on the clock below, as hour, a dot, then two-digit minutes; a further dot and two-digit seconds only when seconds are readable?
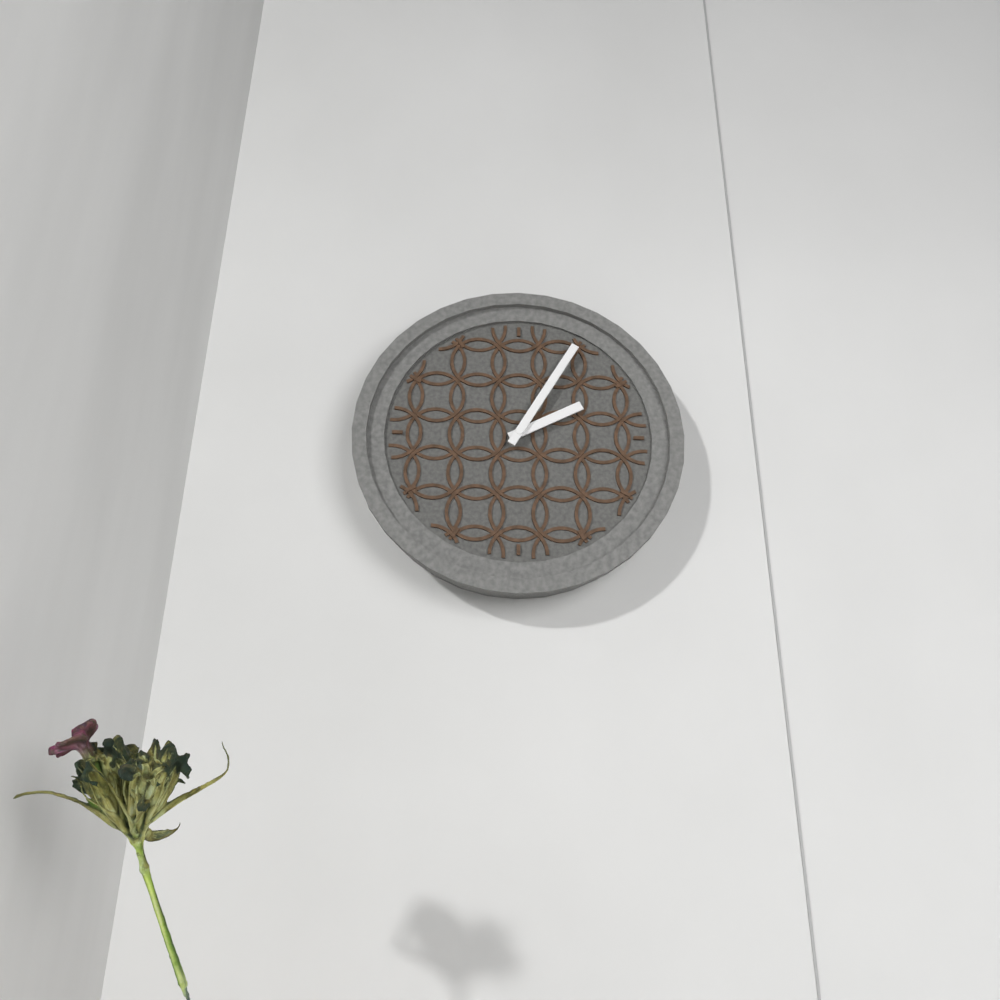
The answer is 2.05
